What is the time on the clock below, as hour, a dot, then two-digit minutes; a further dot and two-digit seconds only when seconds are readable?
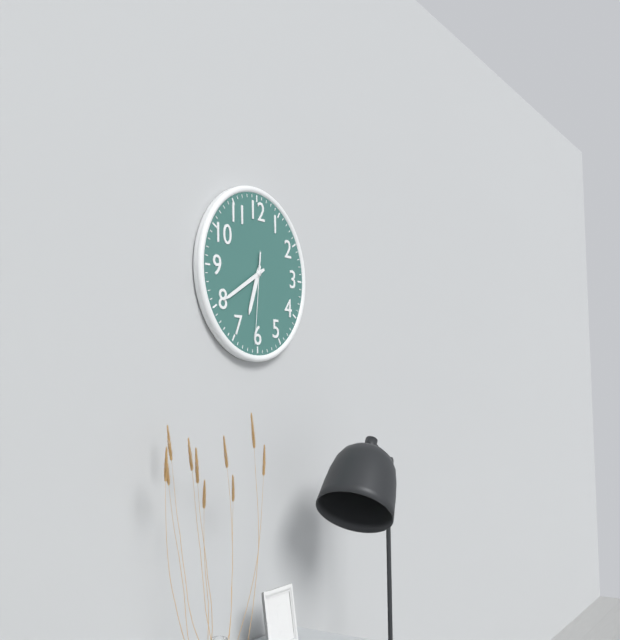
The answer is 6.40.31
